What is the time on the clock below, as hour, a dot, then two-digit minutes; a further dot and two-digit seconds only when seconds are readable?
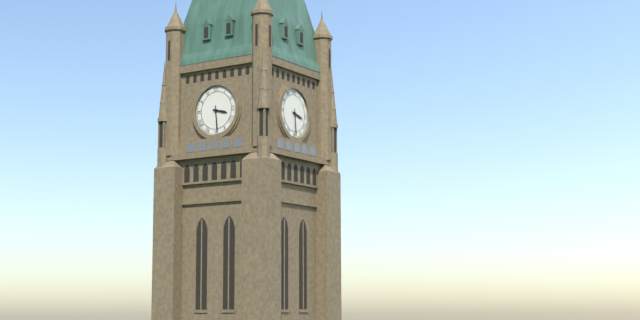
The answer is 3.29
